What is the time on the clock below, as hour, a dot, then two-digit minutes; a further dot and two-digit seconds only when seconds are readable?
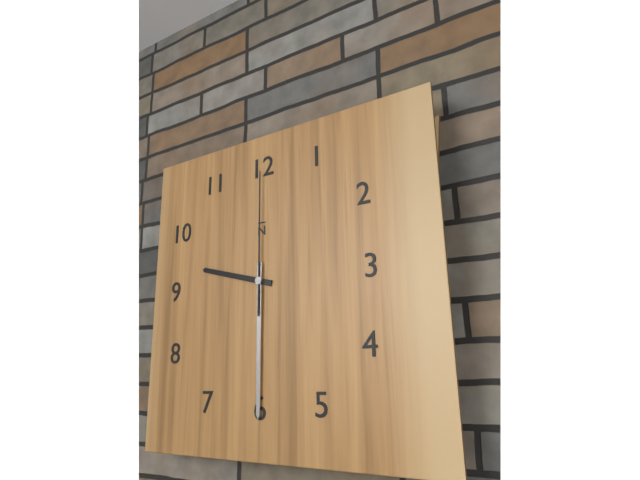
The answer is 9.30.00
